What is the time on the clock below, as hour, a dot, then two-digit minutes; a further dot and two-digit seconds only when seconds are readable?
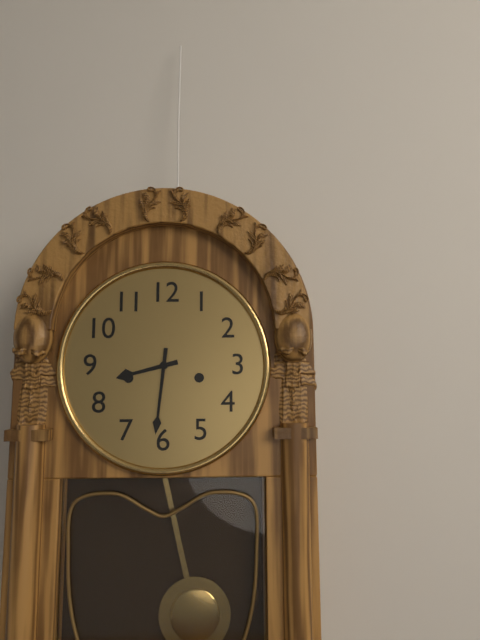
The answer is 8.31
